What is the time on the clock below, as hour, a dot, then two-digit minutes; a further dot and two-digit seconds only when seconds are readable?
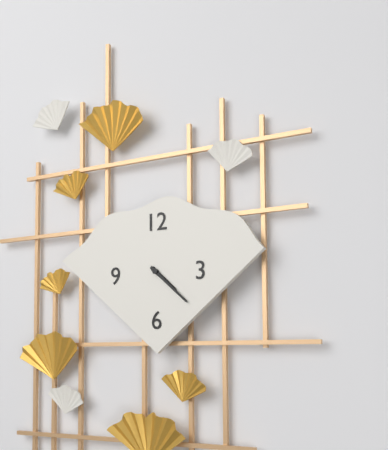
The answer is 4.22
